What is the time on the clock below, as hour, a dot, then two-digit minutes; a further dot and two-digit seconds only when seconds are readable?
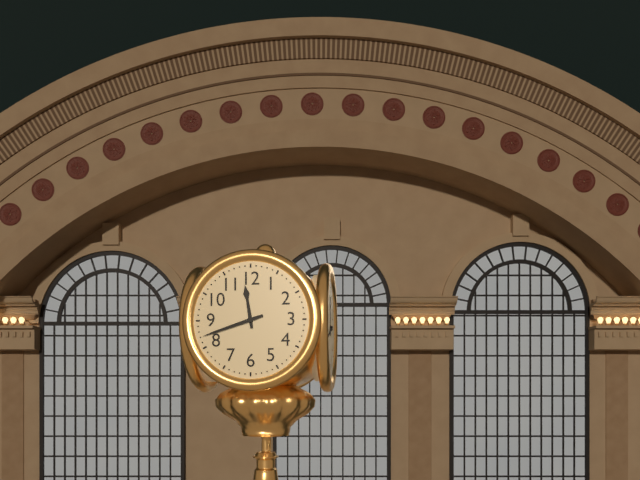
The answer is 11.42
